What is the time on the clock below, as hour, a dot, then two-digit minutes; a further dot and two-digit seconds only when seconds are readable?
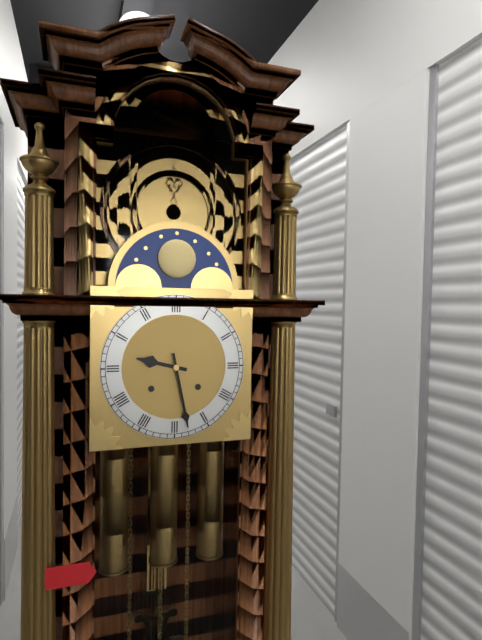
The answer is 9.28
